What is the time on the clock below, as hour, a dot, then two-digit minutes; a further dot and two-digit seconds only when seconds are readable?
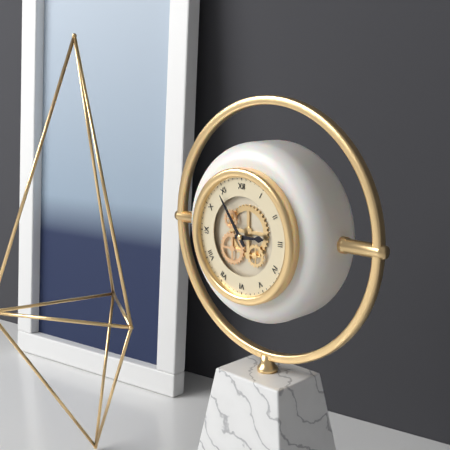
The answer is 2.54
